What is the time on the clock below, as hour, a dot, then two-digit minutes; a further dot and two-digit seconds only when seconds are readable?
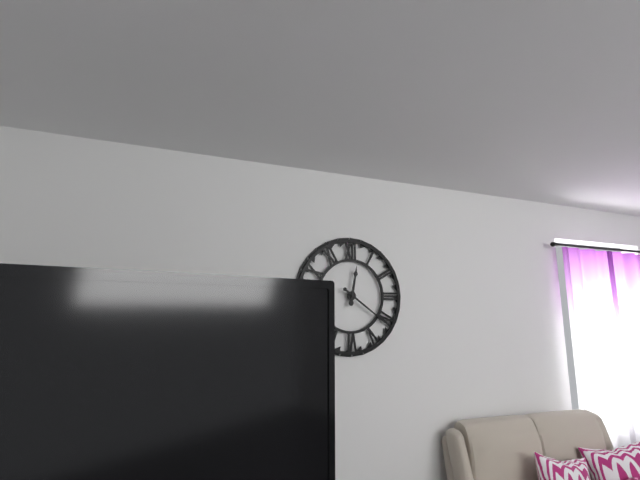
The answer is 12.21
